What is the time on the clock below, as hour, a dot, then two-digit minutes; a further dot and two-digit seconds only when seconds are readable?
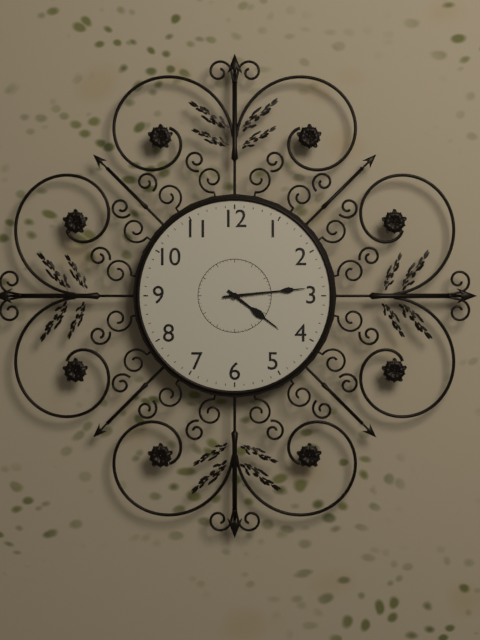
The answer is 4.14
